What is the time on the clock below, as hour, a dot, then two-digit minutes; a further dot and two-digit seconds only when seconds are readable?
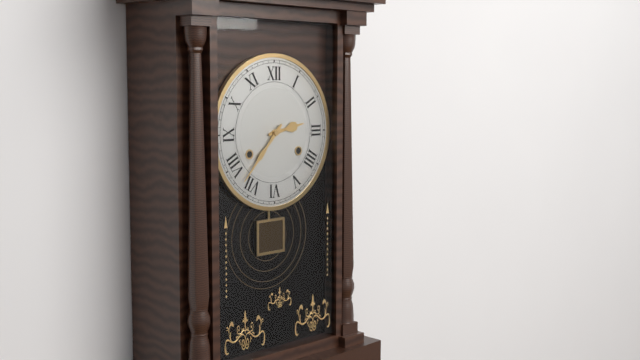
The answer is 2.37
